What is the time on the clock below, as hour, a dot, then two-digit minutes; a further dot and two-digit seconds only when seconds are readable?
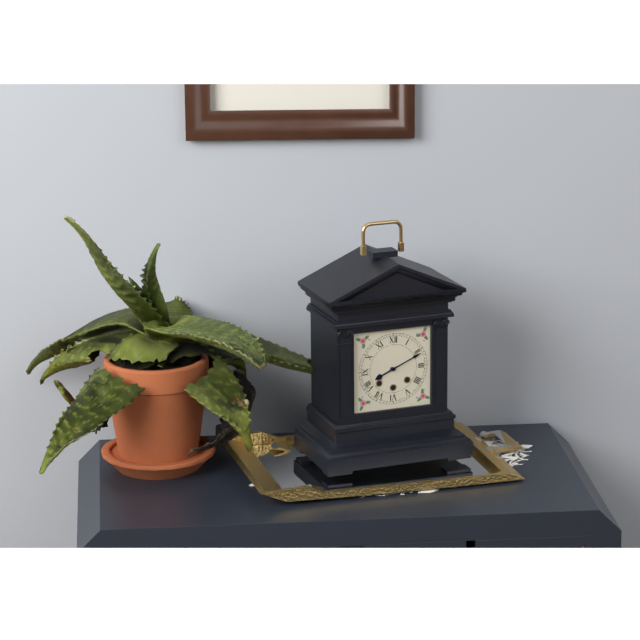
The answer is 8.11
